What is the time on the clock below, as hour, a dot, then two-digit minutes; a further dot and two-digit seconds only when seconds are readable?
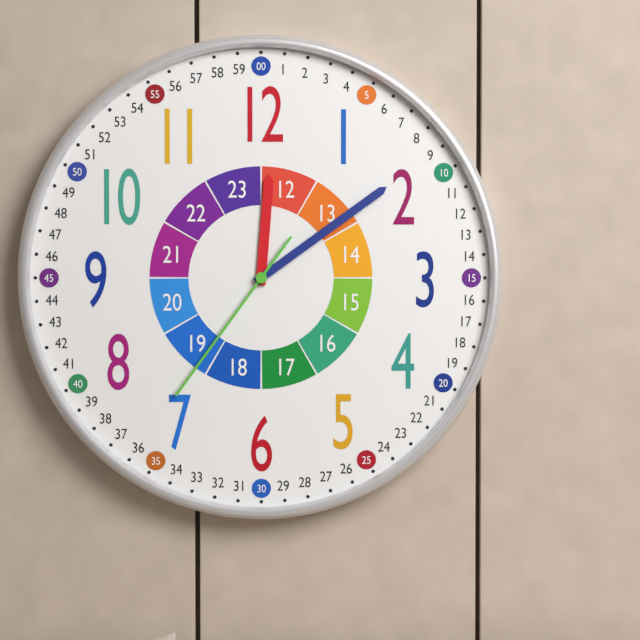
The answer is 12.09.36
